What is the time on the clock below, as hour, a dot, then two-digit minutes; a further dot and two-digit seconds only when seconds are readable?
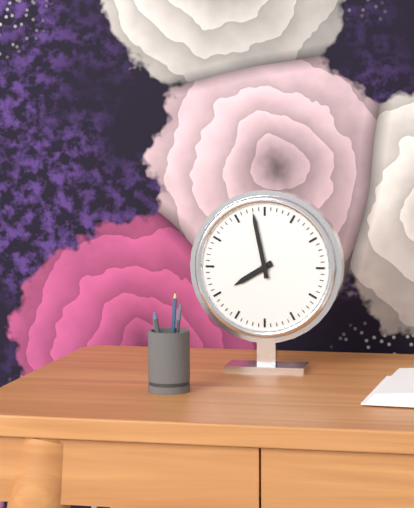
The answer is 7.58
